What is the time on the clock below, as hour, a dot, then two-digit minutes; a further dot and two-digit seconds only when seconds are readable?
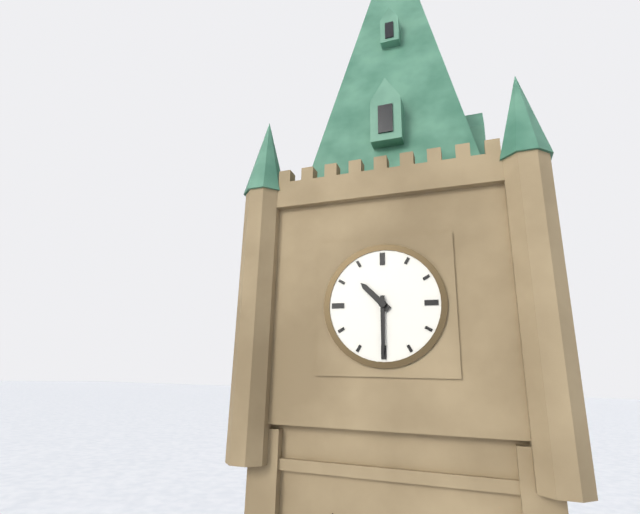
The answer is 10.30
